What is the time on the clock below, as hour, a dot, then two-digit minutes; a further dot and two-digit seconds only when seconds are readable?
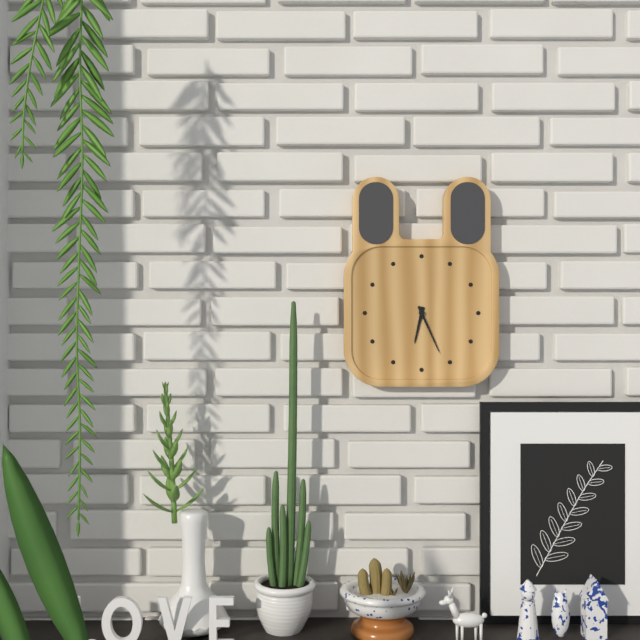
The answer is 6.26
